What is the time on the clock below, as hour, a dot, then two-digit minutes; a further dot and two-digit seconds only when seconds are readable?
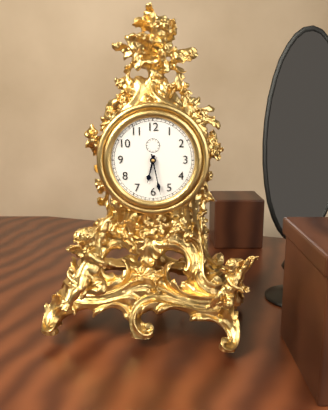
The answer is 6.28
